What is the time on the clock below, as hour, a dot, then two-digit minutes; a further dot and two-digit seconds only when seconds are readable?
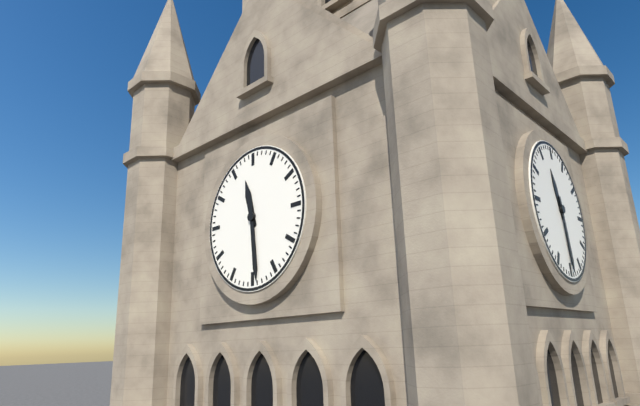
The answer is 11.29
